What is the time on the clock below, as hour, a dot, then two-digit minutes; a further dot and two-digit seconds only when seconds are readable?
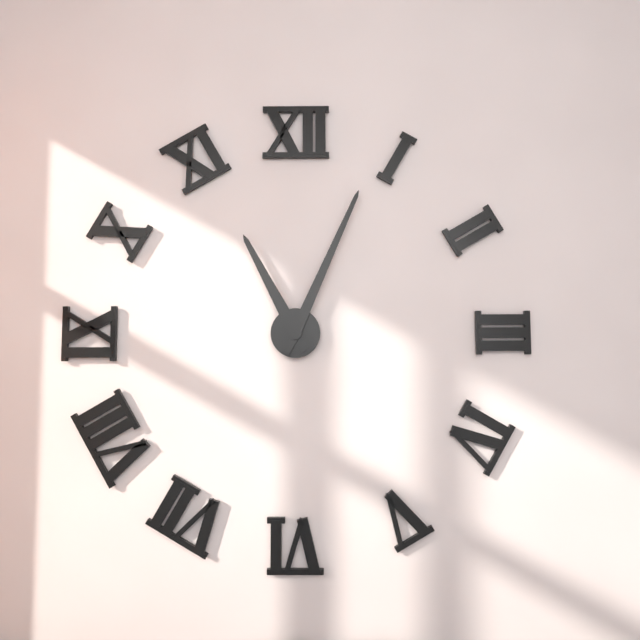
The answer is 11.04
